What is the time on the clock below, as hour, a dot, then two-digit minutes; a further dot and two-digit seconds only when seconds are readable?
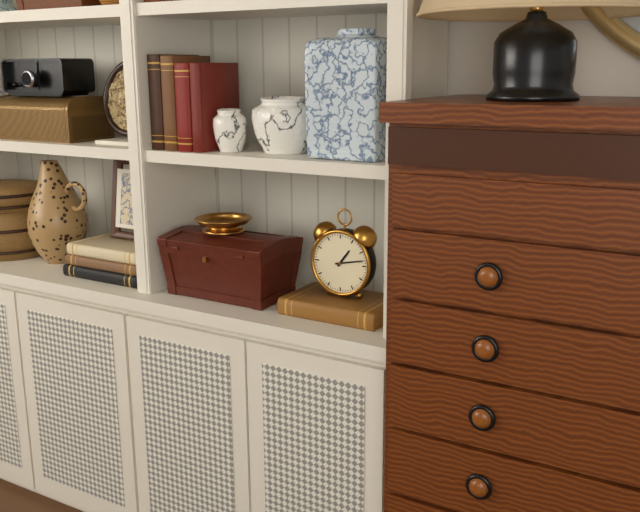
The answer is 1.13
